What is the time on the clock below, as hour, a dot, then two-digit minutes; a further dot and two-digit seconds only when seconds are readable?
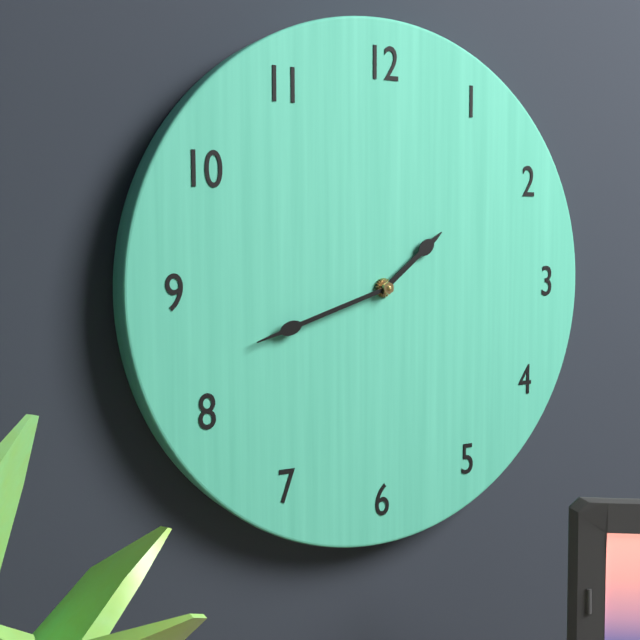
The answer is 1.42
